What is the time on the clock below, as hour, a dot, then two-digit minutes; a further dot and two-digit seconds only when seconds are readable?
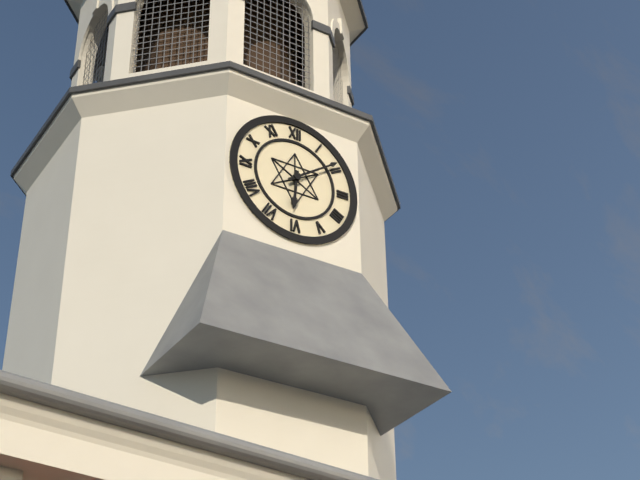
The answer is 6.09
